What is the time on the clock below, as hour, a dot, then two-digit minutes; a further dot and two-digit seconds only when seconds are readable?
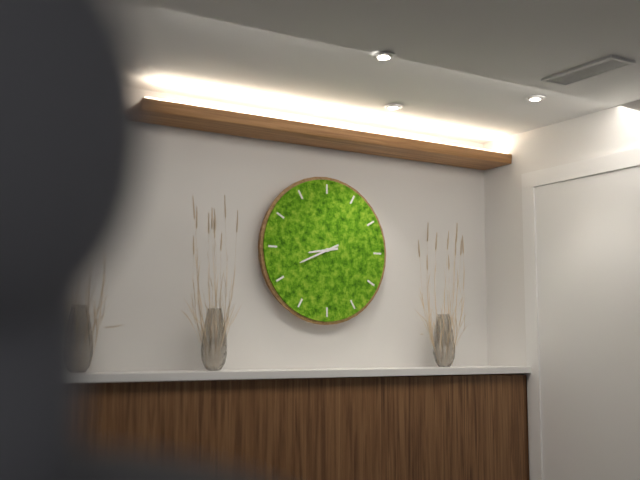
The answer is 8.41
